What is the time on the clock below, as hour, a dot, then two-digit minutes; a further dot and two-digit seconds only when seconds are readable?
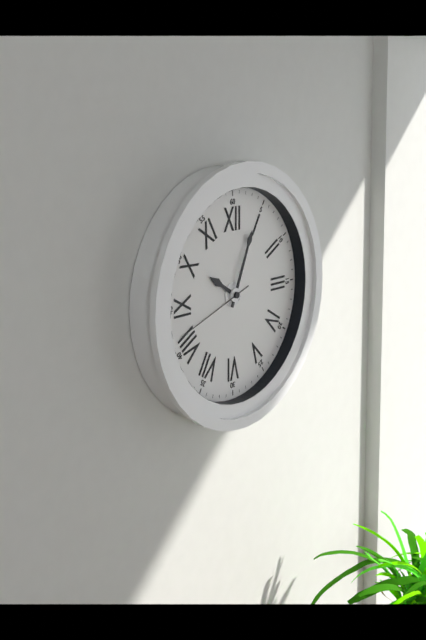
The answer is 10.04.42
